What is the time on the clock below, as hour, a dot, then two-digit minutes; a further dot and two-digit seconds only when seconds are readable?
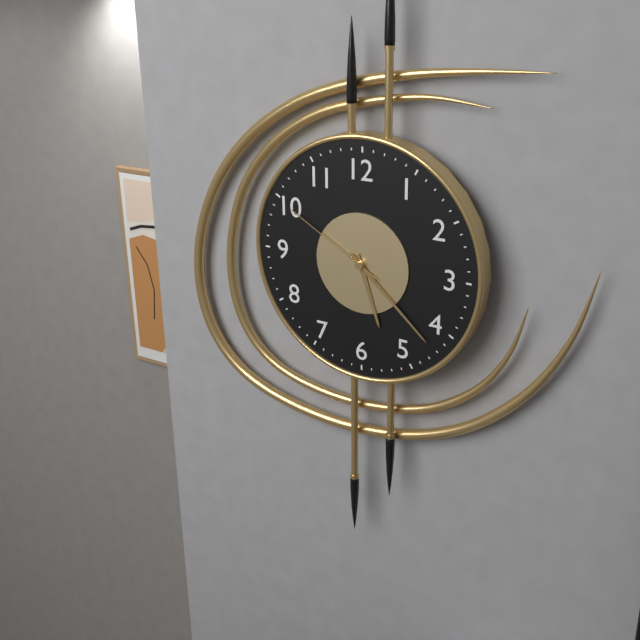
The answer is 5.22.50
